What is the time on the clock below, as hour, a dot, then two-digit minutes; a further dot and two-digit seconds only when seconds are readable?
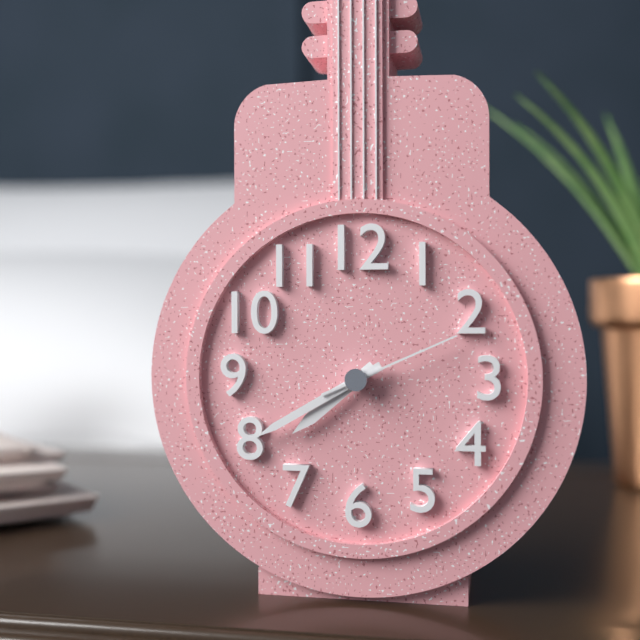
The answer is 7.40.11
